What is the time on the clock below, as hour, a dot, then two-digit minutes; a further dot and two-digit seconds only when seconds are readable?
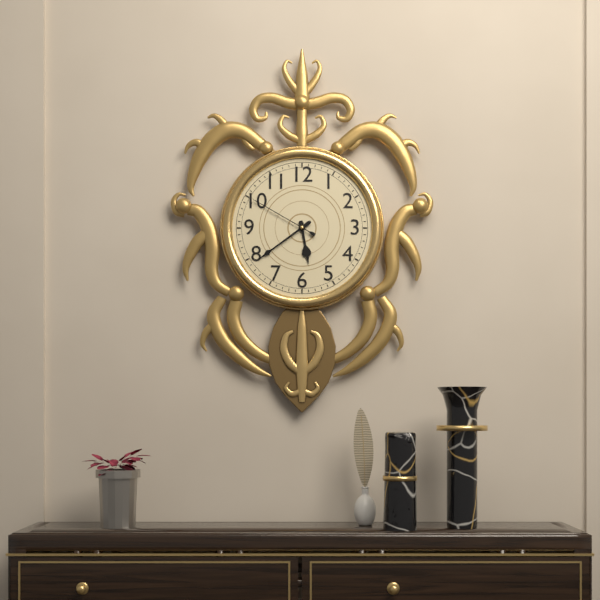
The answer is 5.39.50
